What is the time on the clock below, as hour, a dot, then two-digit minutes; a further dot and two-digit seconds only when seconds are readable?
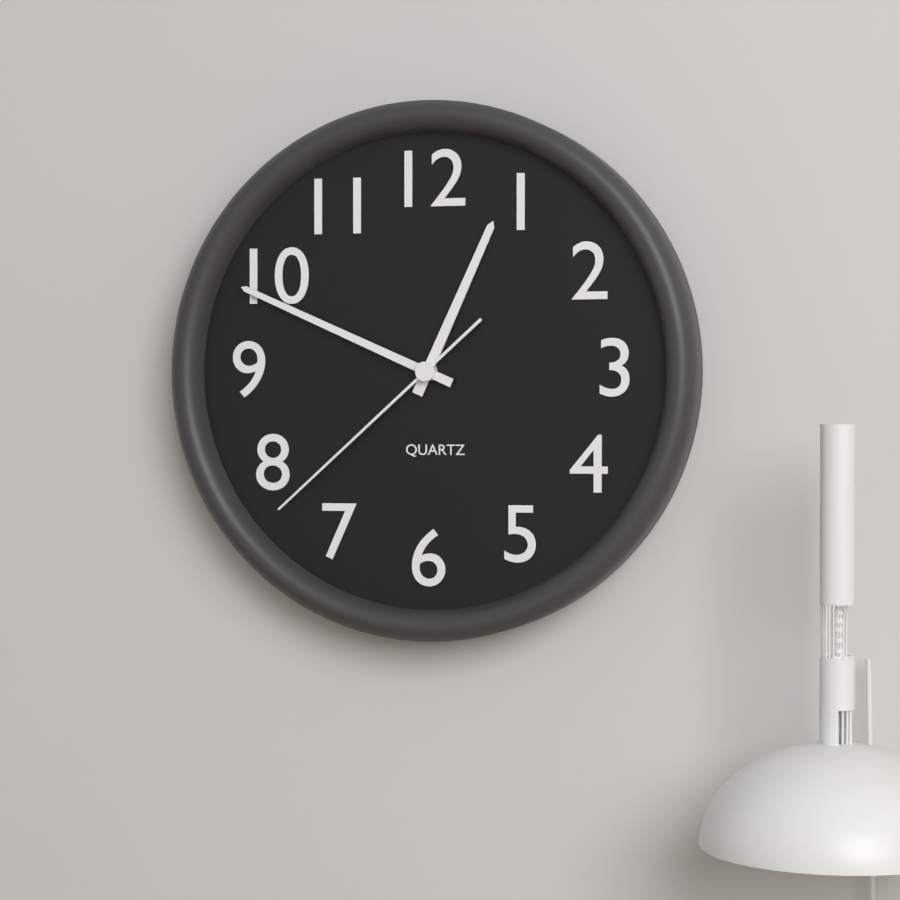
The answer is 12.49.38
